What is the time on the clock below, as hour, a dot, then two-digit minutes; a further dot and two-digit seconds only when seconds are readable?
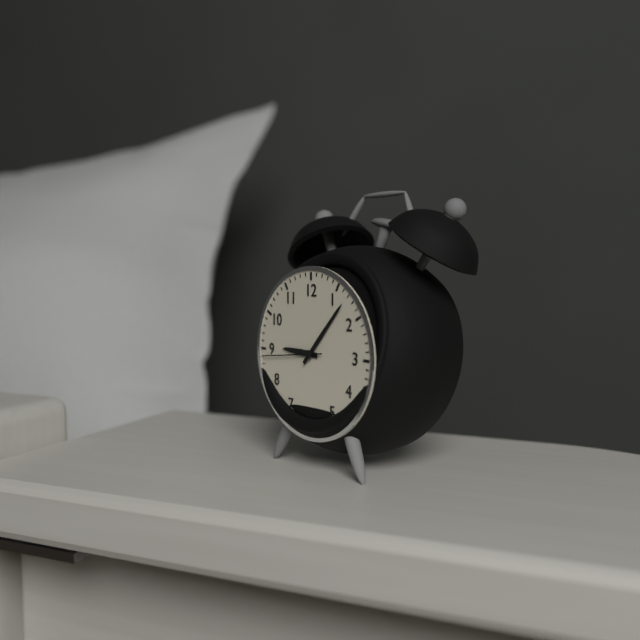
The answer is 9.07.44
